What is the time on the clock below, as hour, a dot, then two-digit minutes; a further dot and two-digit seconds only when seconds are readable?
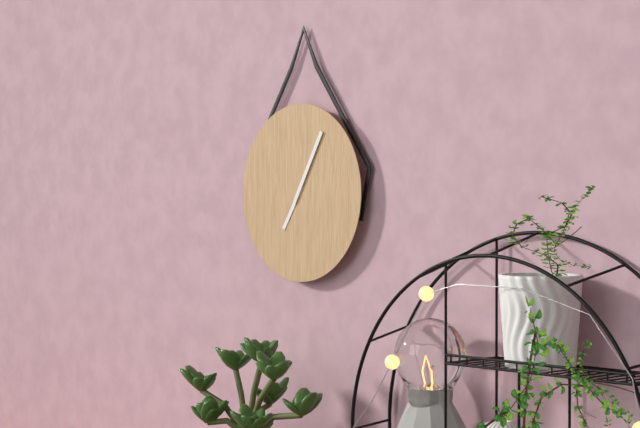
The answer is 7.05
